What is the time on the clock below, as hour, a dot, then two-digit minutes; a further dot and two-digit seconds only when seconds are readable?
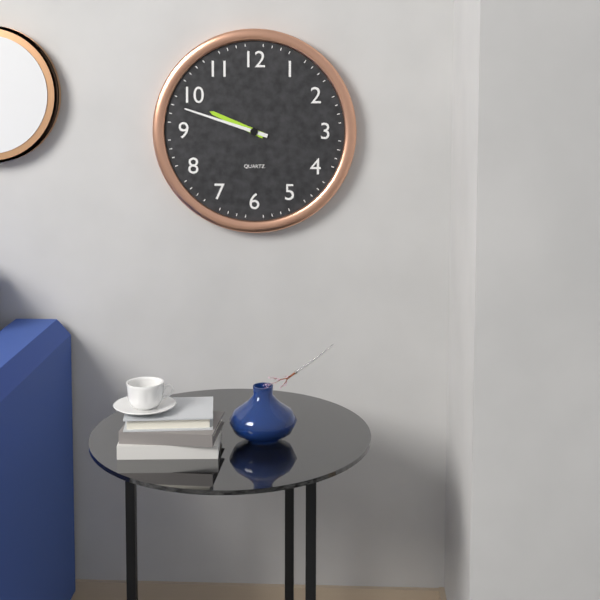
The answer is 9.48
